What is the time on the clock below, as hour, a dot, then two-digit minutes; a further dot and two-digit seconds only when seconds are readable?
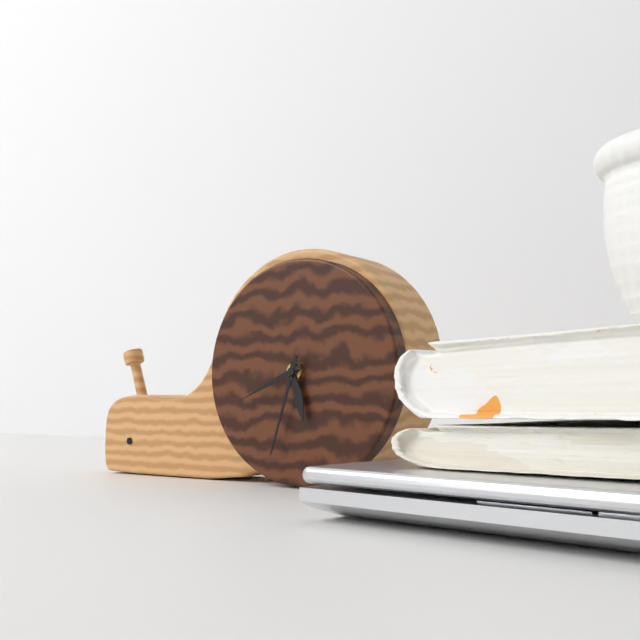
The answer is 5.33.41
